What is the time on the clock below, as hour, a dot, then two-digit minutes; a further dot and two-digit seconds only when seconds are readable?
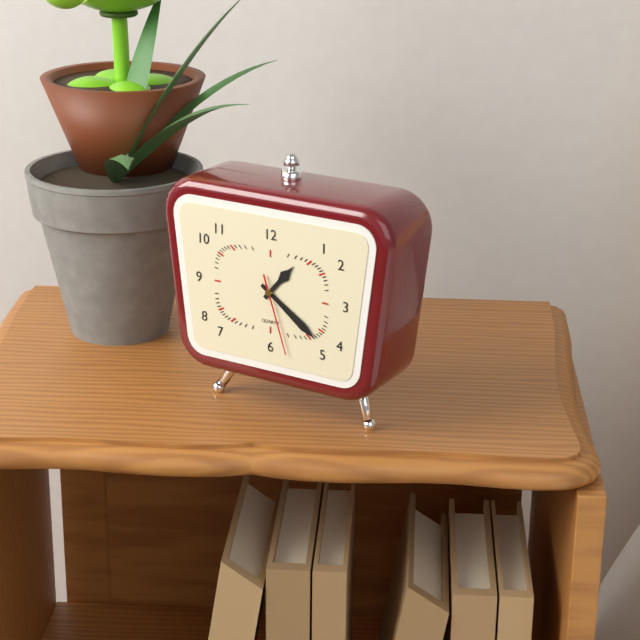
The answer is 1.21.27
